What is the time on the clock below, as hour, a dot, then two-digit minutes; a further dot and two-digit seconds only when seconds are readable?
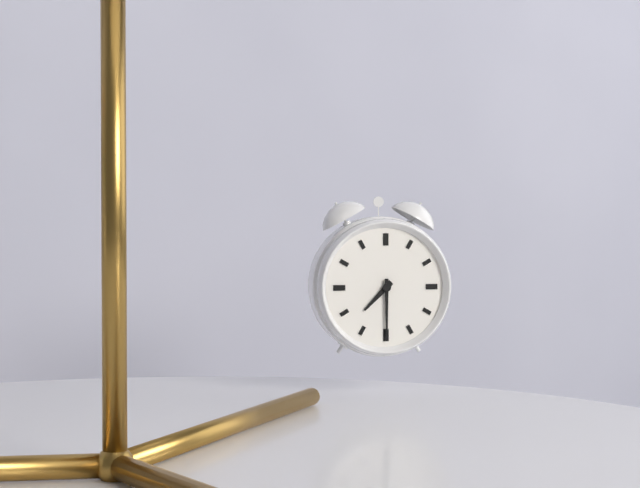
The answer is 7.30
